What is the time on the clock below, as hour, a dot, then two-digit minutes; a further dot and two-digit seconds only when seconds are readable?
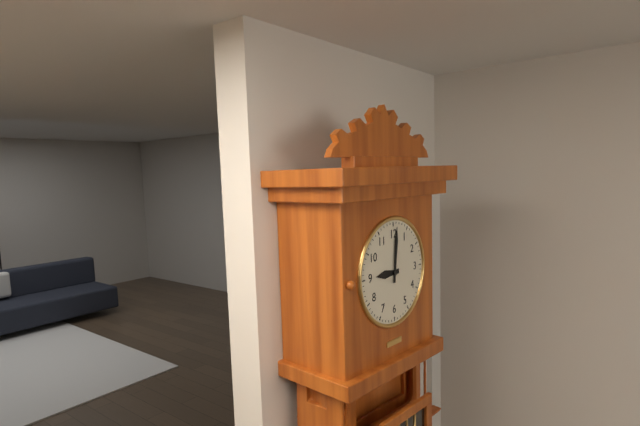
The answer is 9.01
